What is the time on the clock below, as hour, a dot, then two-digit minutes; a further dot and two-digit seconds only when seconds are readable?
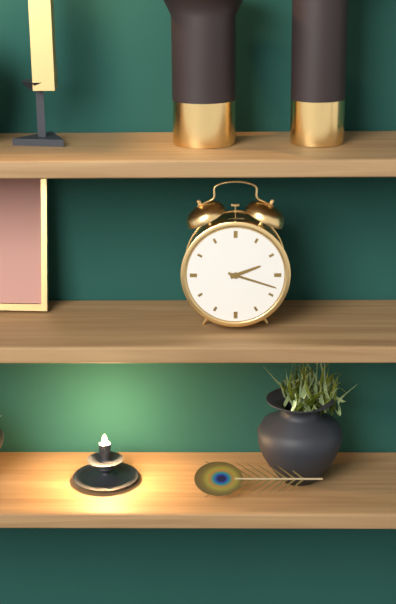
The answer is 2.18
